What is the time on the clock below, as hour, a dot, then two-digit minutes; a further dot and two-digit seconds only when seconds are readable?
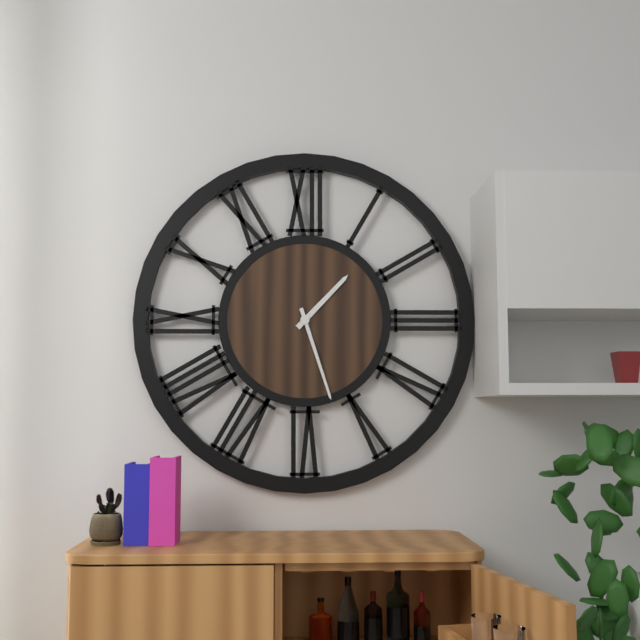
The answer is 1.27
